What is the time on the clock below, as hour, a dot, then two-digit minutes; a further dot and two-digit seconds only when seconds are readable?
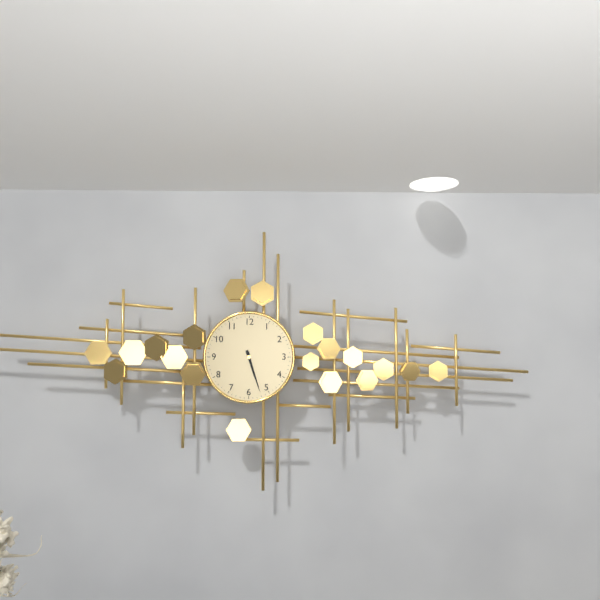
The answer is 5.27
